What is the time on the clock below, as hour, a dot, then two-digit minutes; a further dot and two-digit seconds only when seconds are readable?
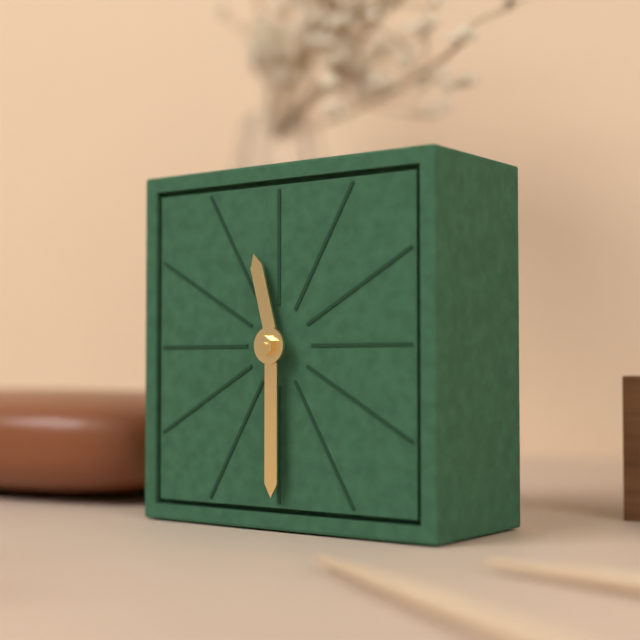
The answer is 11.30
